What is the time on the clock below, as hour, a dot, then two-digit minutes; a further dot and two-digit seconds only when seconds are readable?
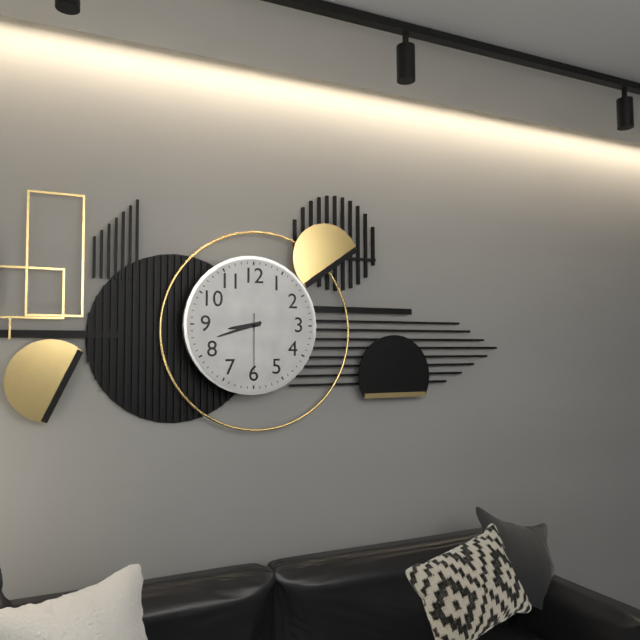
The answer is 8.42.30
